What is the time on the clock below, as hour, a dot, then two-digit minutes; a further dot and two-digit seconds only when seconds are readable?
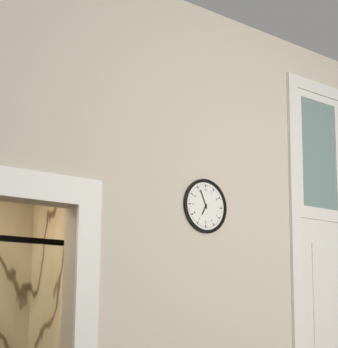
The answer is 6.56
